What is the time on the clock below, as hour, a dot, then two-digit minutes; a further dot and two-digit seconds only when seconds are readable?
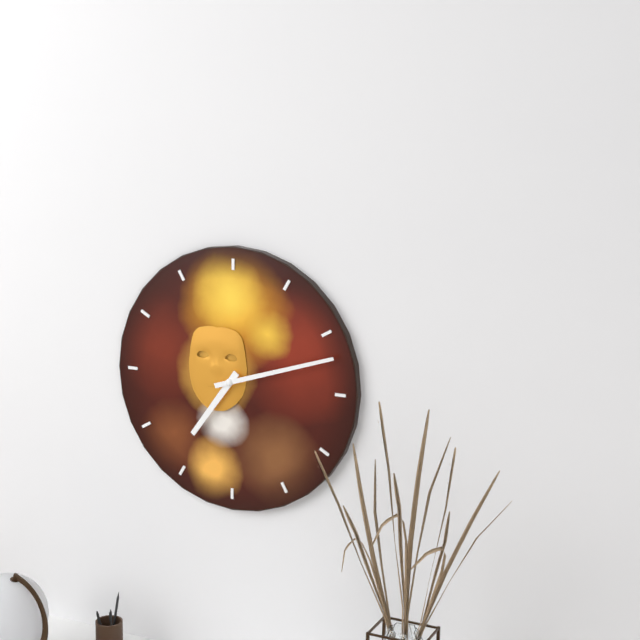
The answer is 7.12
